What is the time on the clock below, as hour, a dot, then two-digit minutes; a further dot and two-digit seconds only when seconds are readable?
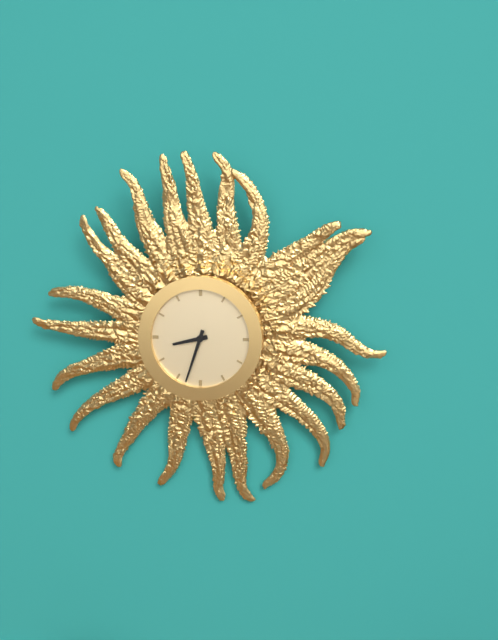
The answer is 8.33
